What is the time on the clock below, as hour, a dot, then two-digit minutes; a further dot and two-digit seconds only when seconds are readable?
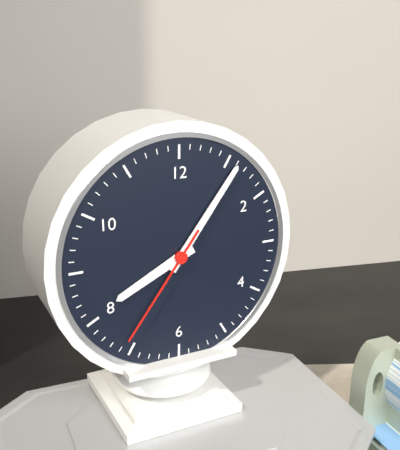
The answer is 8.06.36
